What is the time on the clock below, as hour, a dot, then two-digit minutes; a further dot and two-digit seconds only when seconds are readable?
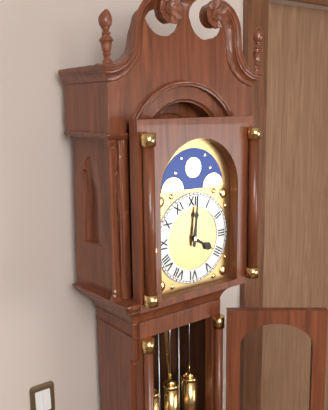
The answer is 4.01
